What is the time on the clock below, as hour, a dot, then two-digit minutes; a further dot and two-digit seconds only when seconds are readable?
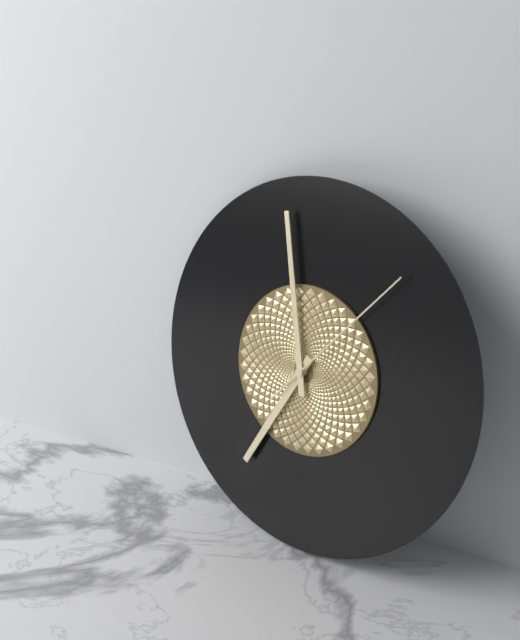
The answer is 6.58.07
